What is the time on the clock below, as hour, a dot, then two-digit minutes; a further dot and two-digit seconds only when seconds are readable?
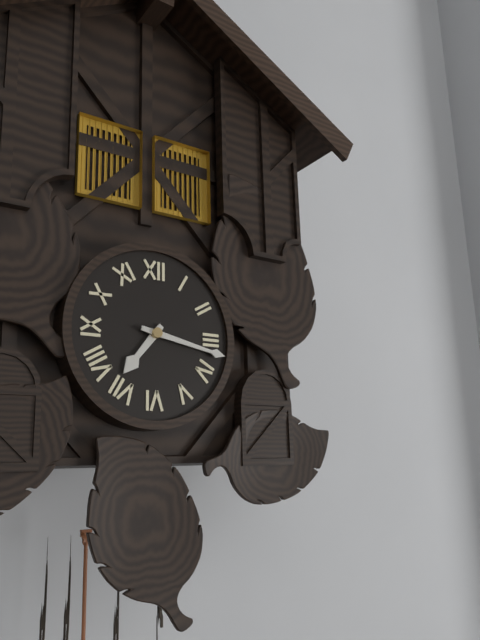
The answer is 7.17
